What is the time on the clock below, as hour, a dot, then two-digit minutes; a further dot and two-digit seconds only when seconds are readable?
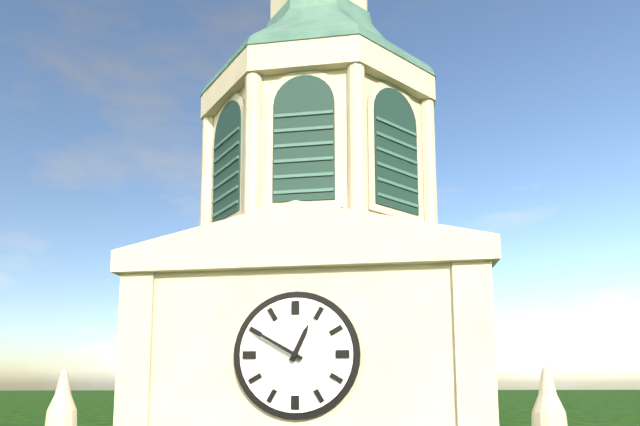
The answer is 12.50
